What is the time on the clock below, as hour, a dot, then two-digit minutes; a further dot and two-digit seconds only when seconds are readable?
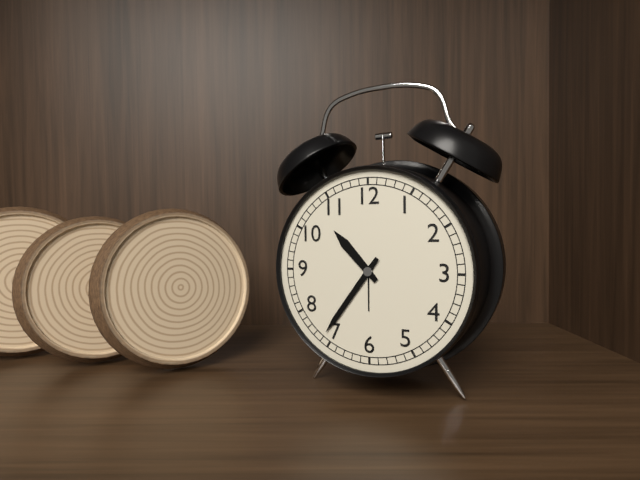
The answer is 10.36
